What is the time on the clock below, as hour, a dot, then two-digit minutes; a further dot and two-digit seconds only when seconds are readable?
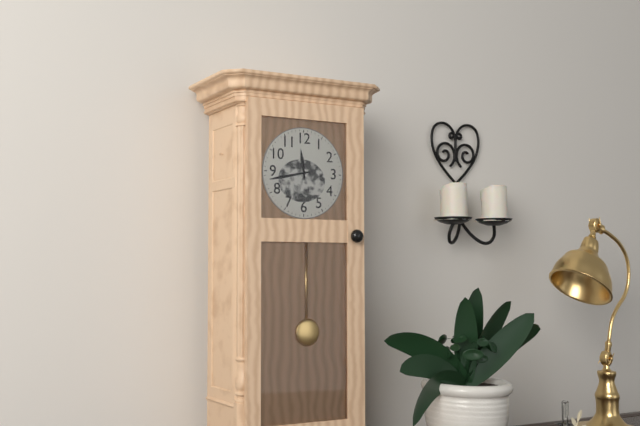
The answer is 11.43
